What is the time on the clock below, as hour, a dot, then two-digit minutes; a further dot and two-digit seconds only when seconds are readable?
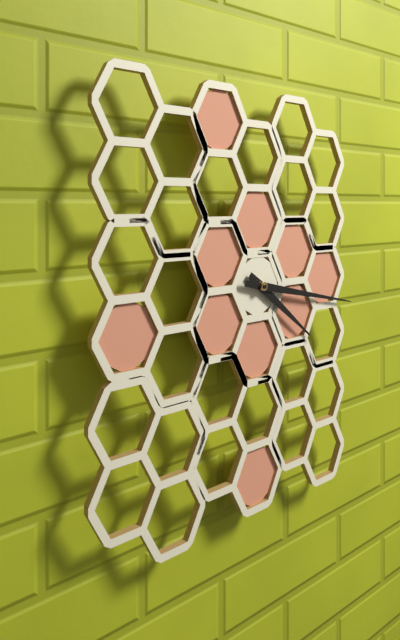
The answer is 4.17
